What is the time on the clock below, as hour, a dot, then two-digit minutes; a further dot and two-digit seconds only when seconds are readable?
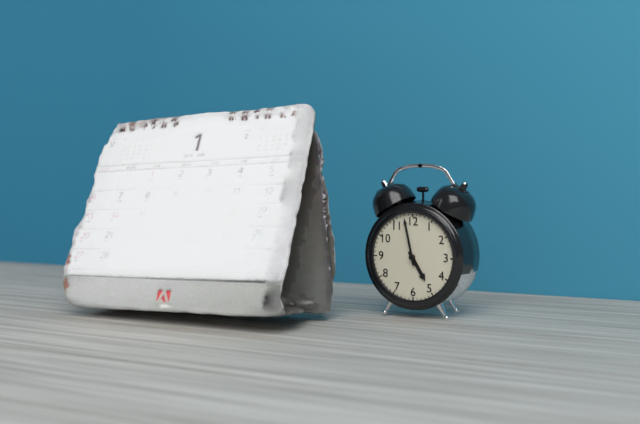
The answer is 4.58
